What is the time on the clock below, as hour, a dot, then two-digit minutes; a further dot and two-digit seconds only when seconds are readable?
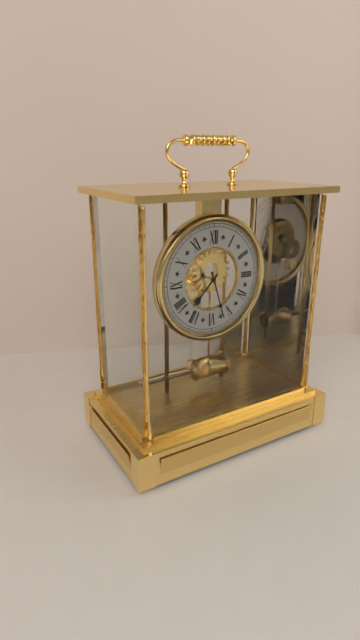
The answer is 7.27
